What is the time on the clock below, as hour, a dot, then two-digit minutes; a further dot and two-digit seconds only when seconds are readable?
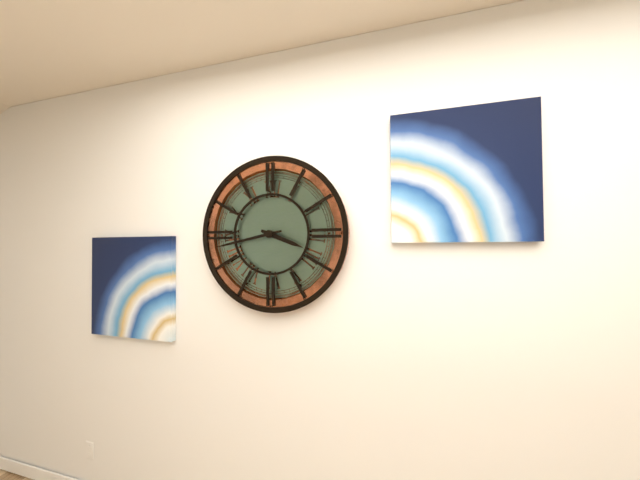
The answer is 3.43
